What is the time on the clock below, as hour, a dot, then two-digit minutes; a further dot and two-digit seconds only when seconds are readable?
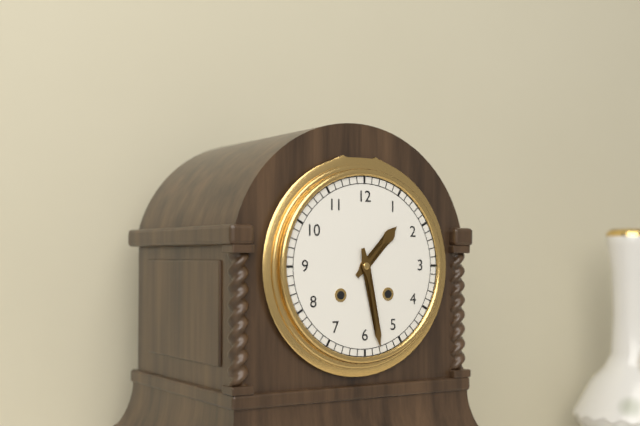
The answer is 1.28
